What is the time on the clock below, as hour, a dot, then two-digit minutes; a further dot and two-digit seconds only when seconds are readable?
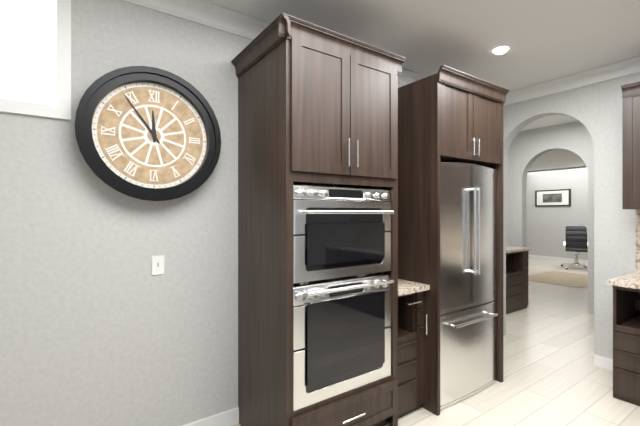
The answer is 11.54
